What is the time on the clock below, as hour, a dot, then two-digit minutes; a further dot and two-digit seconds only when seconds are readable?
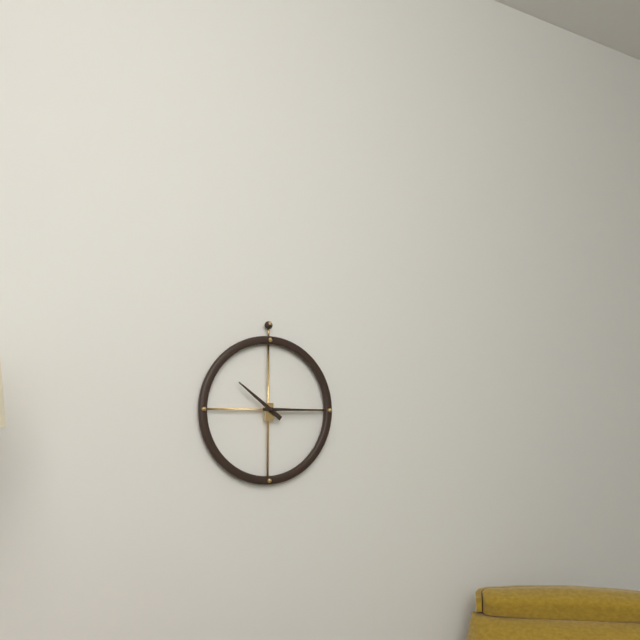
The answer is 10.15
